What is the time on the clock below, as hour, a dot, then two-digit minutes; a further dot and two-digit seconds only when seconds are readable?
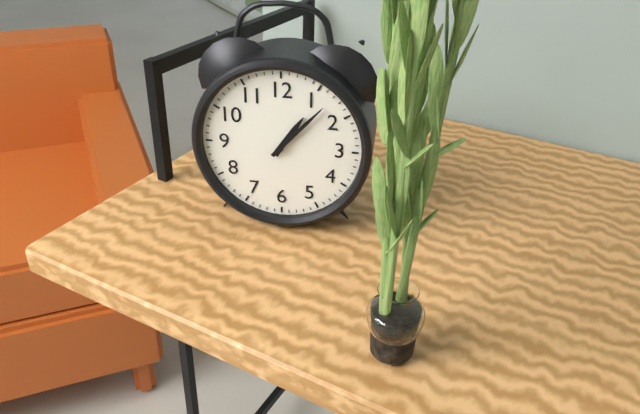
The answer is 1.07
